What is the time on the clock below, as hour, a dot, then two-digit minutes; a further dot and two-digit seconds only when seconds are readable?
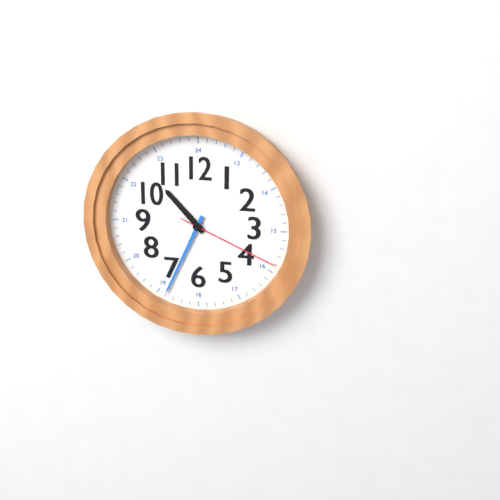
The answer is 10.34.19
